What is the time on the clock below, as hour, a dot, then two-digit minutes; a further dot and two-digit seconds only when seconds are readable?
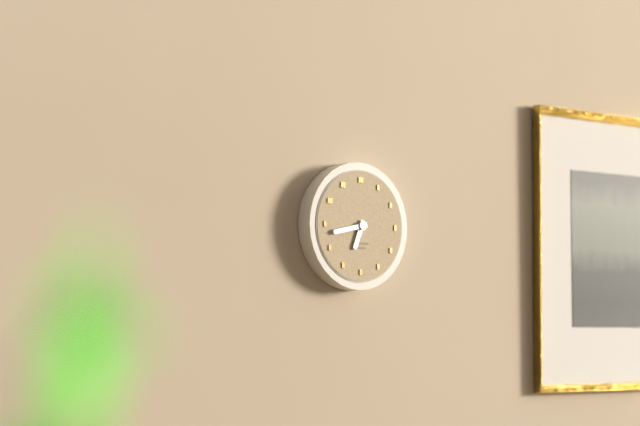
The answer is 6.43
